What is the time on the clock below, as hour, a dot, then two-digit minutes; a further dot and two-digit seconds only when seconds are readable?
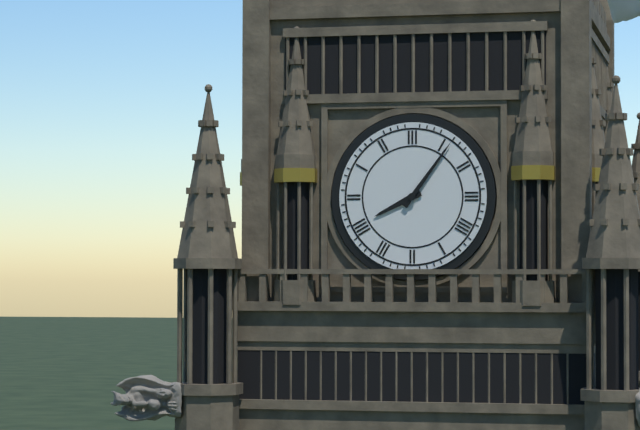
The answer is 8.06
